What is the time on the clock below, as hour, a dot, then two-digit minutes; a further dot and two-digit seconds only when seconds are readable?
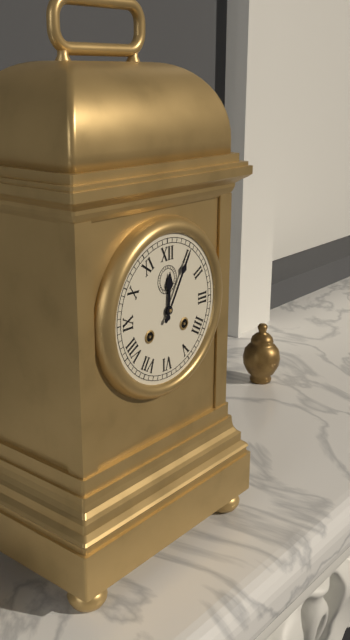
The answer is 12.05
